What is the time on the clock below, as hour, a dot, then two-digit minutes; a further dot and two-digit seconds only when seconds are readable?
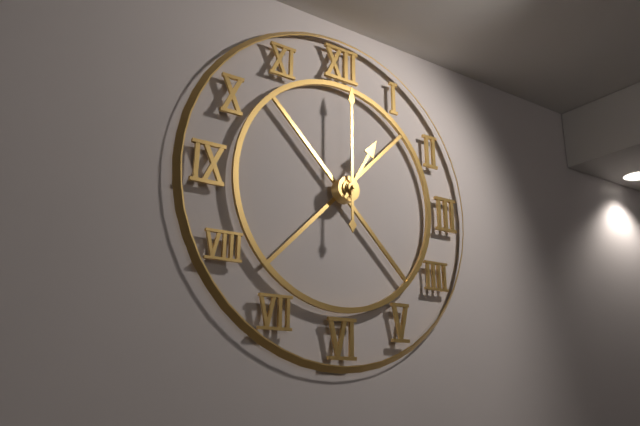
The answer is 1.00
